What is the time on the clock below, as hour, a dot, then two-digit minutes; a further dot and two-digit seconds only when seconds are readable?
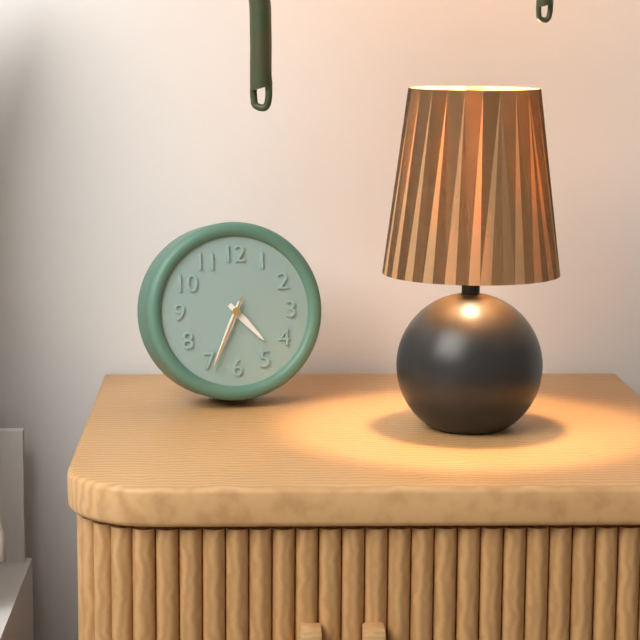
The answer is 4.34.34
